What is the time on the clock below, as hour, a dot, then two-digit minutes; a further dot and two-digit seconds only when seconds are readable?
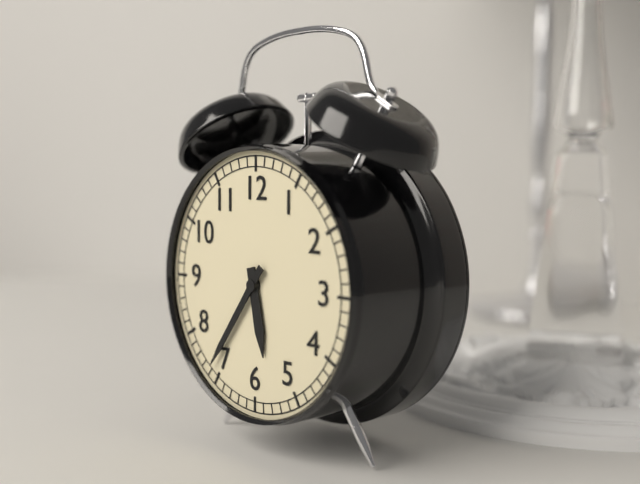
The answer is 5.36
